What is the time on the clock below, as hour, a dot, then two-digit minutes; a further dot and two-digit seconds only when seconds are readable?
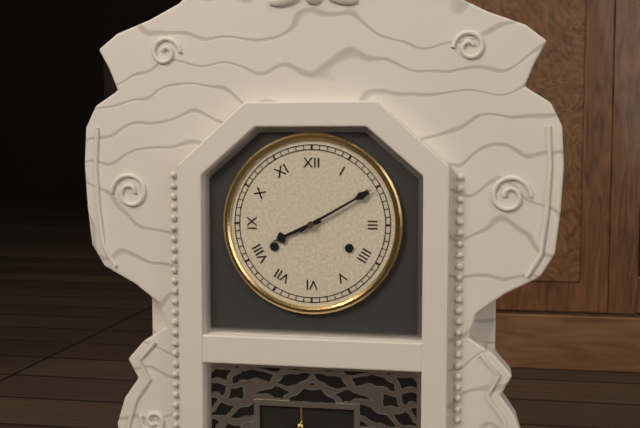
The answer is 8.10
